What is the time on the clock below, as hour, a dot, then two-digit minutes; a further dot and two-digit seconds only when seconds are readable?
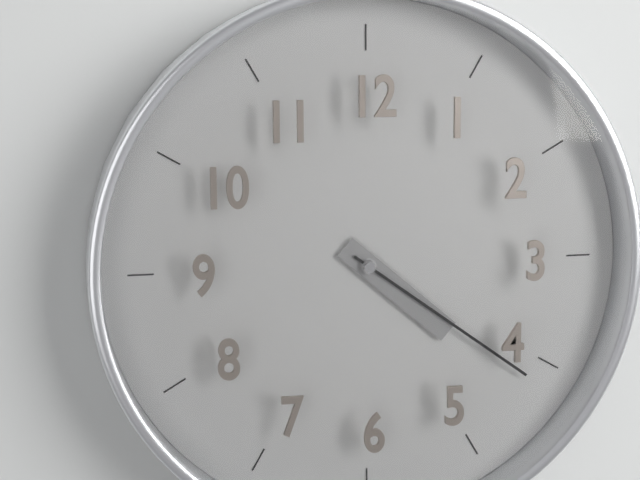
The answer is 4.21
